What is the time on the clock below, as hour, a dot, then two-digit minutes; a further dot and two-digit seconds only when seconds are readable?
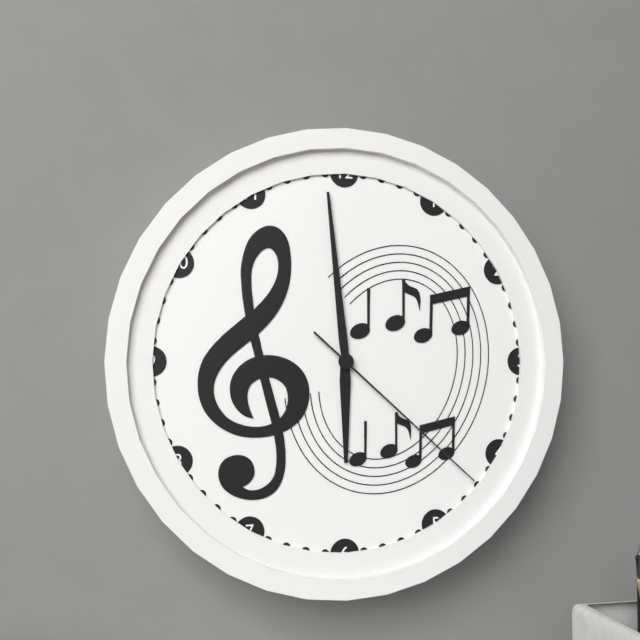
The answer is 5.59.22
